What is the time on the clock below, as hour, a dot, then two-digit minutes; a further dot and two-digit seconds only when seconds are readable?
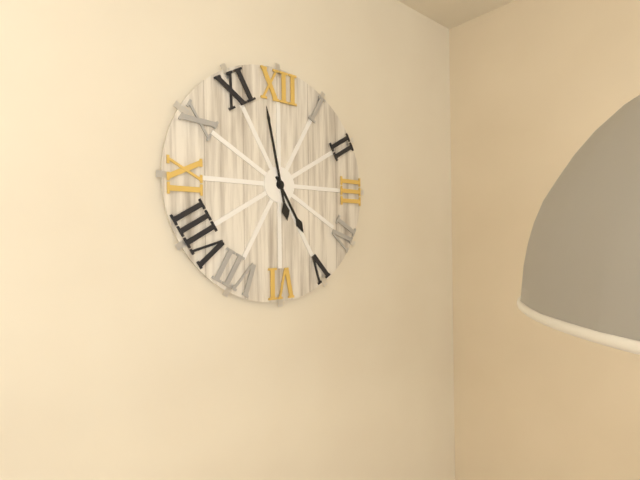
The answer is 4.58
